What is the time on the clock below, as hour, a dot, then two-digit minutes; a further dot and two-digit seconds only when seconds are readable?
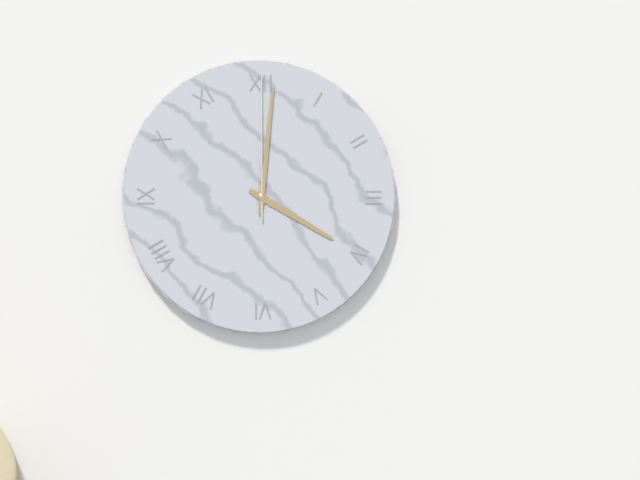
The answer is 4.01.00
